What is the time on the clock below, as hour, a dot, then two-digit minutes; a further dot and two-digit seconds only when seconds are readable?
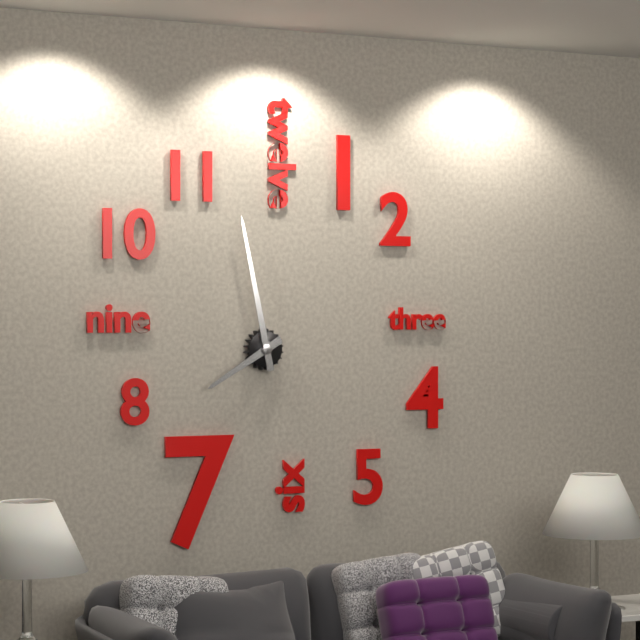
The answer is 7.58
